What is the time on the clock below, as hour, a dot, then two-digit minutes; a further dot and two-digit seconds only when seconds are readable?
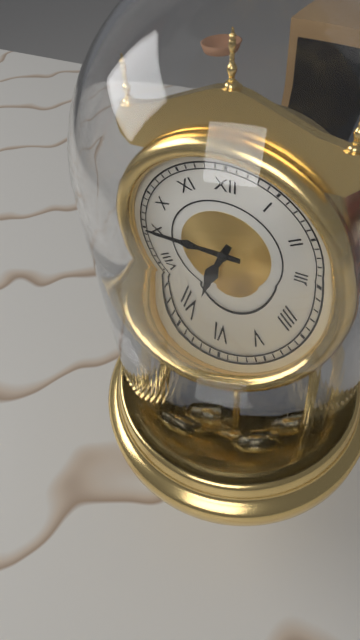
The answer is 6.45
